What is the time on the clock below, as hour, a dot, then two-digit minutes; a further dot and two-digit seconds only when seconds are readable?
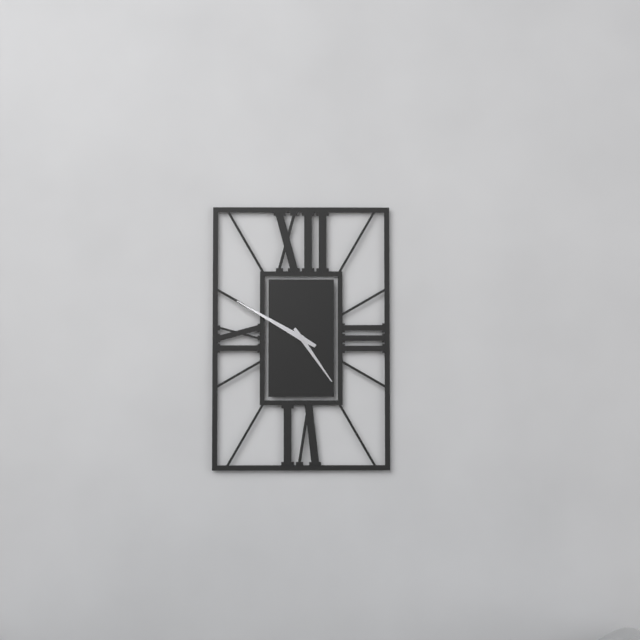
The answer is 4.50
